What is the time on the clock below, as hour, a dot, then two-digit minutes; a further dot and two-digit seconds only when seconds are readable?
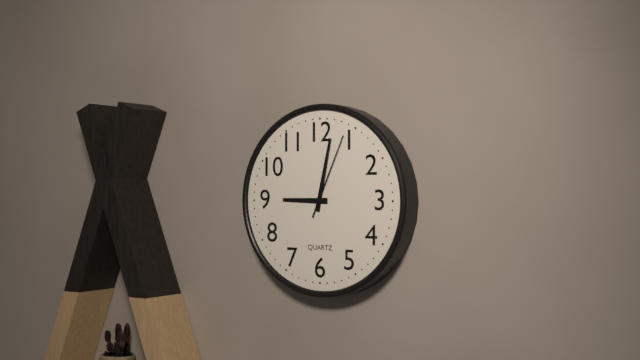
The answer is 9.02.04
